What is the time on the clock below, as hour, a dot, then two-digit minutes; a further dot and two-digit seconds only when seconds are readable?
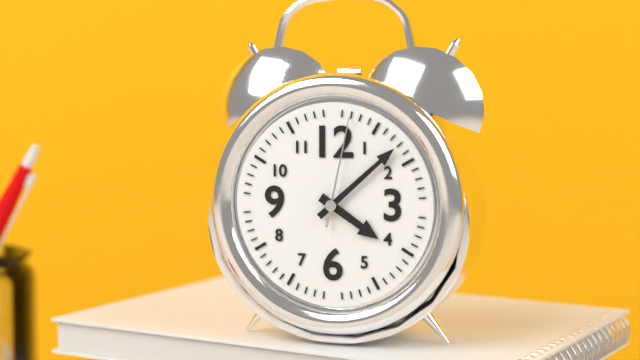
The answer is 4.08.02
